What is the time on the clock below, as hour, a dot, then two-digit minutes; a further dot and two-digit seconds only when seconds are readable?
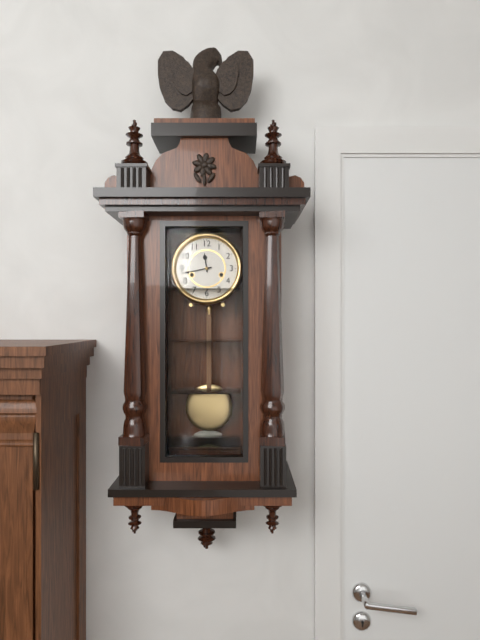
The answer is 11.43
